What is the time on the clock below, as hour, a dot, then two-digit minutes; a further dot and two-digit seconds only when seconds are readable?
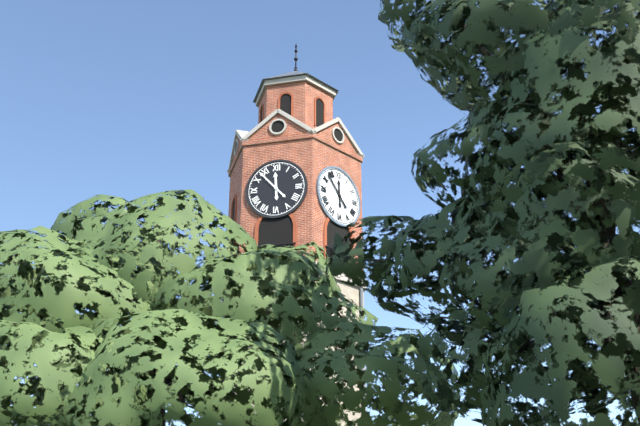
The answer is 11.53
